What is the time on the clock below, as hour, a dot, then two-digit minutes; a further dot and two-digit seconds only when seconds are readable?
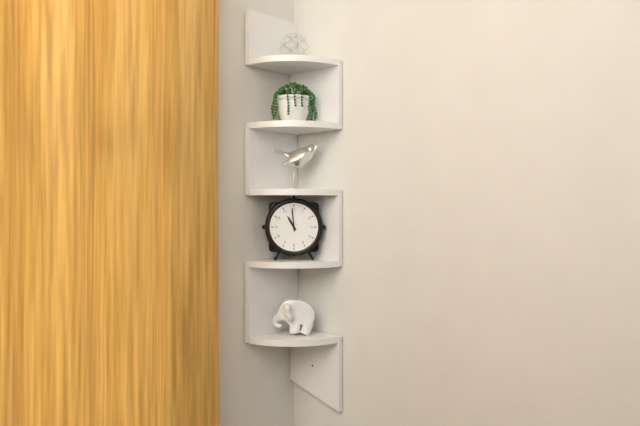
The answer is 10.59
